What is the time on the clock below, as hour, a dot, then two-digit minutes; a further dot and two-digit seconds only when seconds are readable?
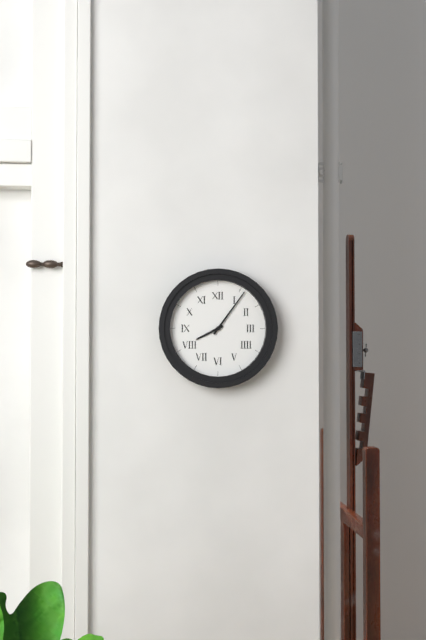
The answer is 8.06
